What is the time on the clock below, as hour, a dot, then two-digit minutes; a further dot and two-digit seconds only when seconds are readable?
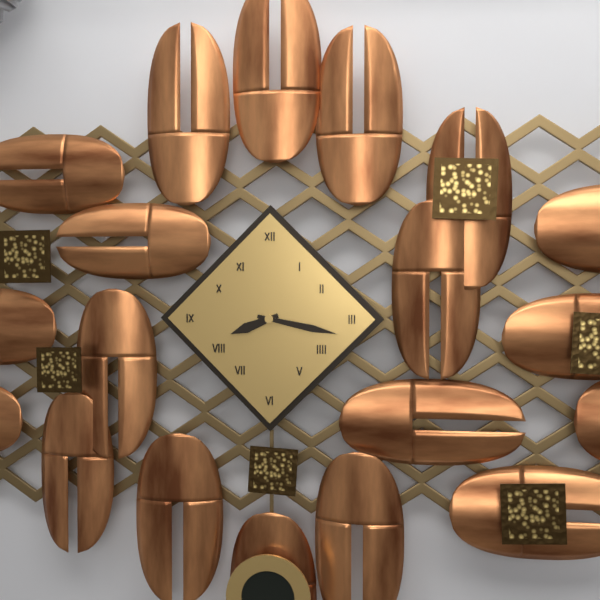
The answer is 8.17
